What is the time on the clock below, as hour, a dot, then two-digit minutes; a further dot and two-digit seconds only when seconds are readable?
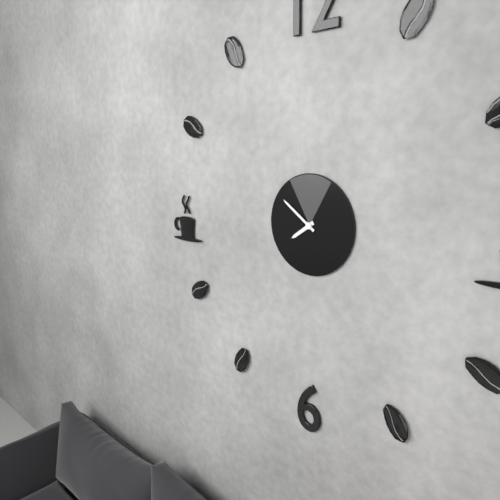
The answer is 7.51
